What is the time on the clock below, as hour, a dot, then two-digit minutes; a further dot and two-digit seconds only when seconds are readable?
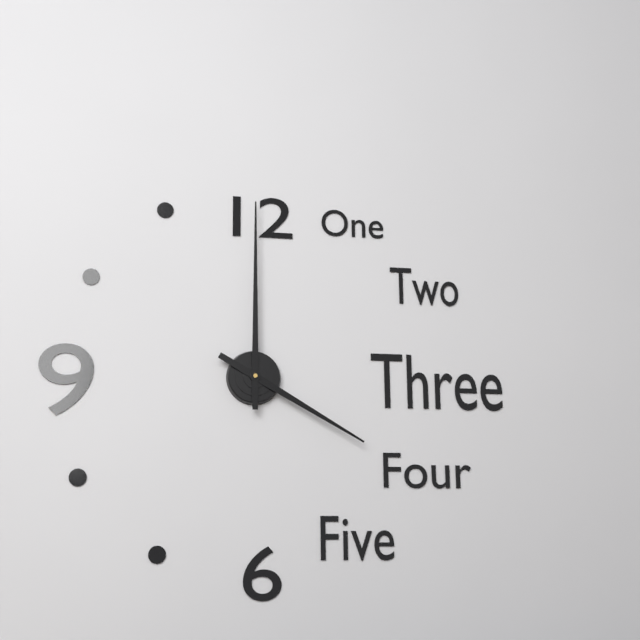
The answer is 4.00
